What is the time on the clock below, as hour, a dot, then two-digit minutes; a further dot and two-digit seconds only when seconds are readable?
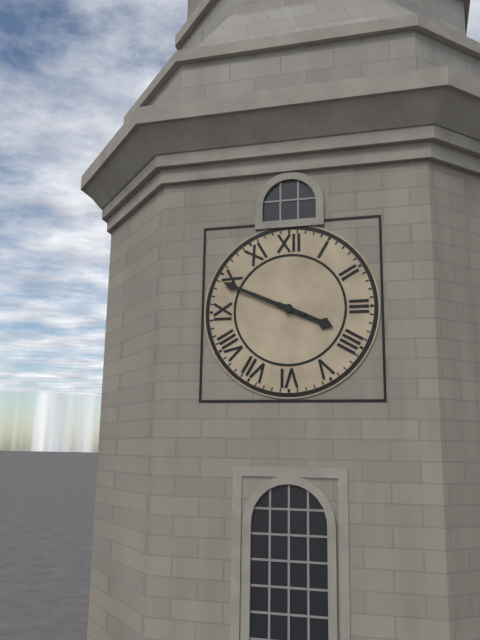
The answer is 3.49
